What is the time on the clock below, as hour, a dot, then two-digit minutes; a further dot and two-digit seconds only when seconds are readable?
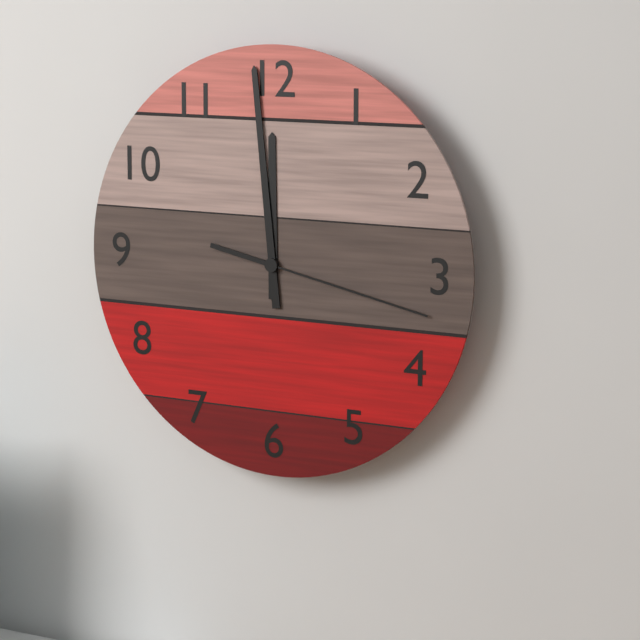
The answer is 11.59.17
